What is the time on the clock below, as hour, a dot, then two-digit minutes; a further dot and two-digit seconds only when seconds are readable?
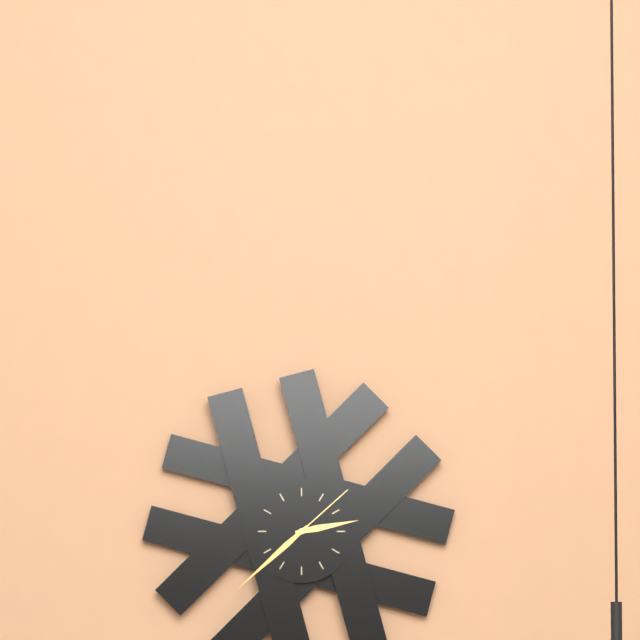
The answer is 2.38.08
